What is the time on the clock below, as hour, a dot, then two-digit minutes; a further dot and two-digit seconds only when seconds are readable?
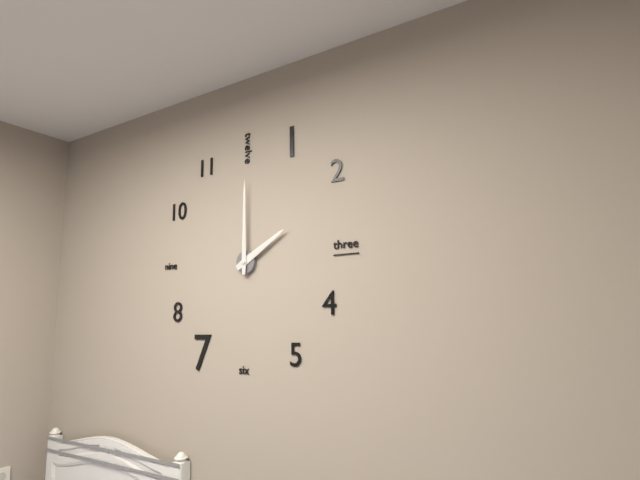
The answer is 2.00
